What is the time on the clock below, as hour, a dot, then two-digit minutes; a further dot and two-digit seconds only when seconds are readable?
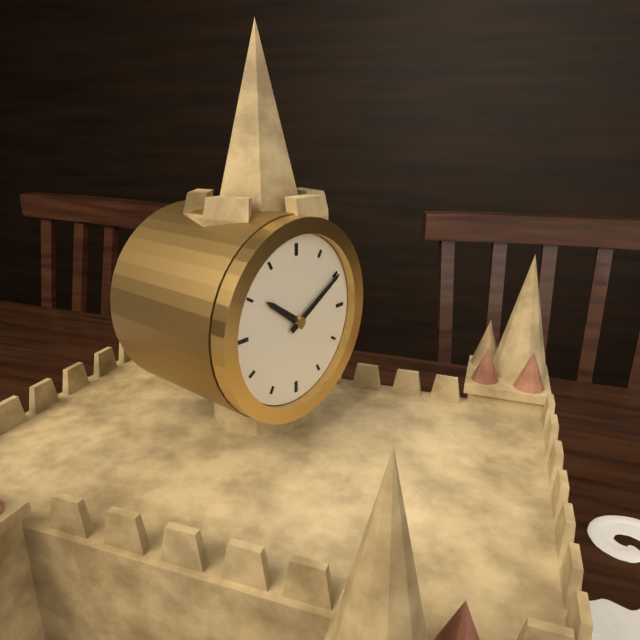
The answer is 10.10
